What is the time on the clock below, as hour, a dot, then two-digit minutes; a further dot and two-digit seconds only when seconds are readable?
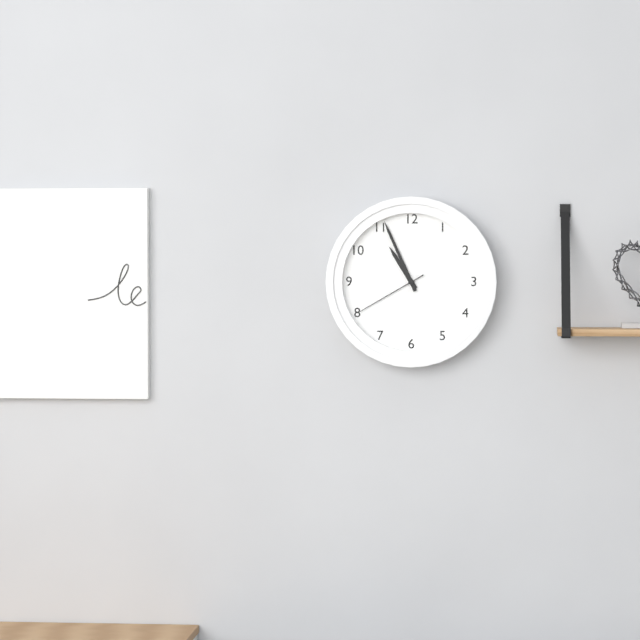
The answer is 10.56.40
